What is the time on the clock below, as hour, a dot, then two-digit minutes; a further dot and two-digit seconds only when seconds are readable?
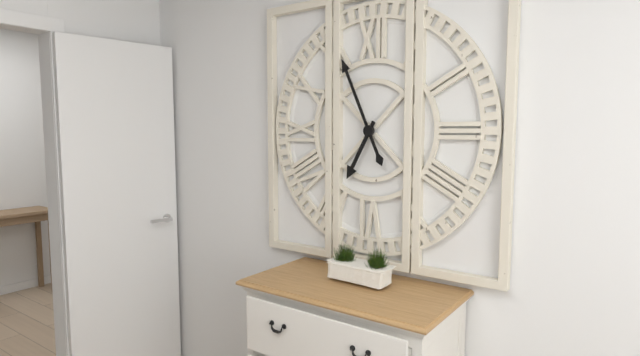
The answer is 6.56
